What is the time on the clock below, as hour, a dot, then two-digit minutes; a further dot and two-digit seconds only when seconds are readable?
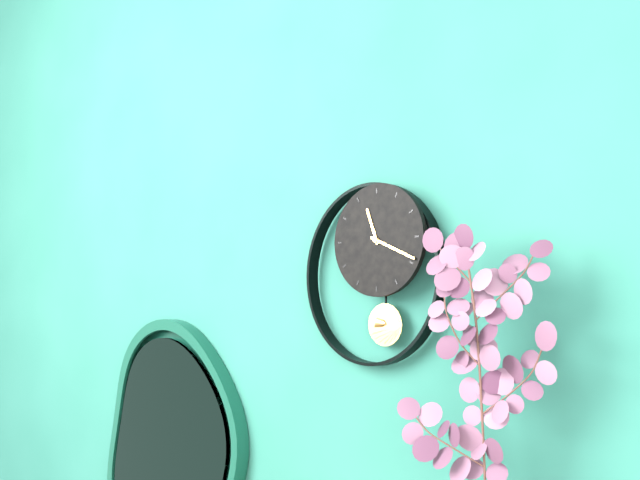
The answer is 11.19
